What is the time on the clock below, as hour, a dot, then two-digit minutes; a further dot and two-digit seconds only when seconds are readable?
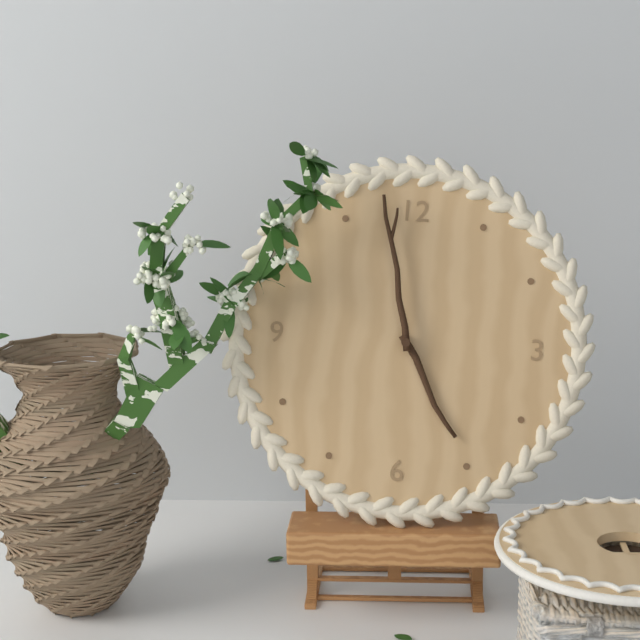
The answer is 4.58
